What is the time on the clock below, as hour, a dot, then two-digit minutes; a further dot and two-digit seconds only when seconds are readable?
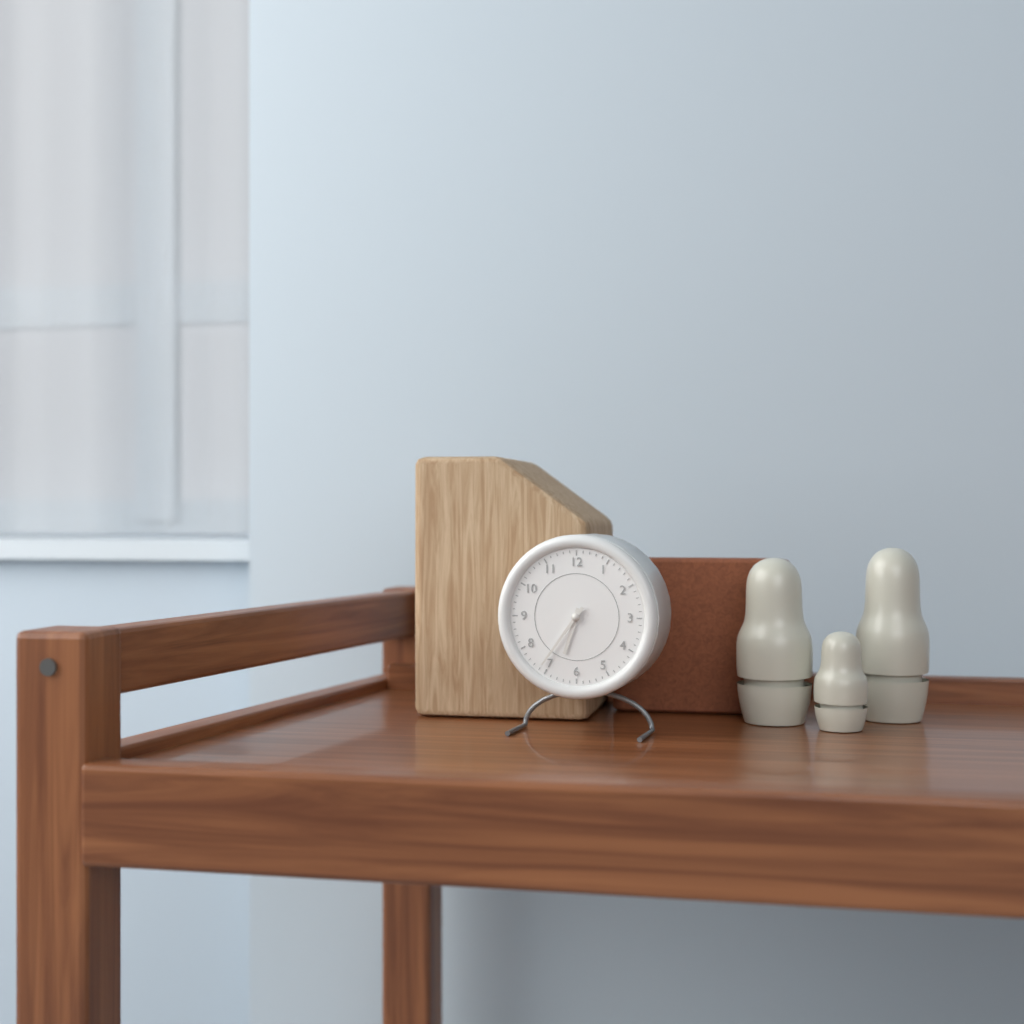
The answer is 6.36
